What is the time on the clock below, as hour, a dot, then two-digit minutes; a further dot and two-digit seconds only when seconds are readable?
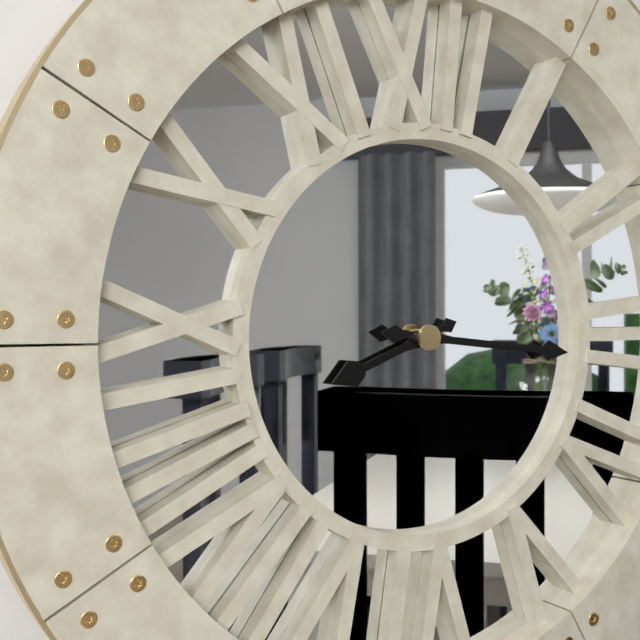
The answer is 8.16
